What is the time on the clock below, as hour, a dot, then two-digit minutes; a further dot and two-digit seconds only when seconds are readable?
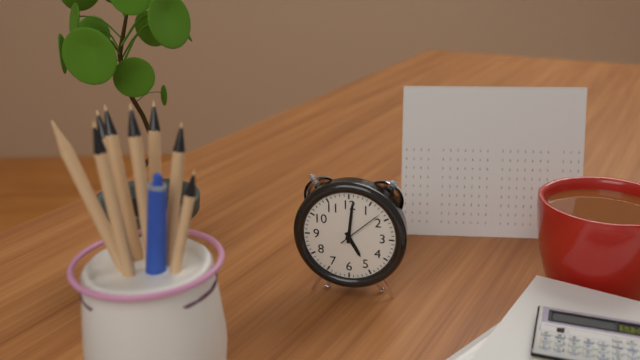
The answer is 5.01
